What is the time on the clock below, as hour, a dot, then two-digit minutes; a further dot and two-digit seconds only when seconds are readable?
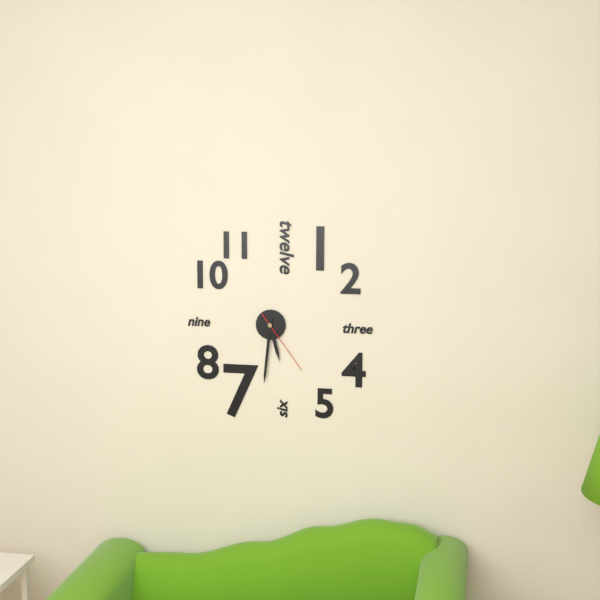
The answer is 5.31.24
